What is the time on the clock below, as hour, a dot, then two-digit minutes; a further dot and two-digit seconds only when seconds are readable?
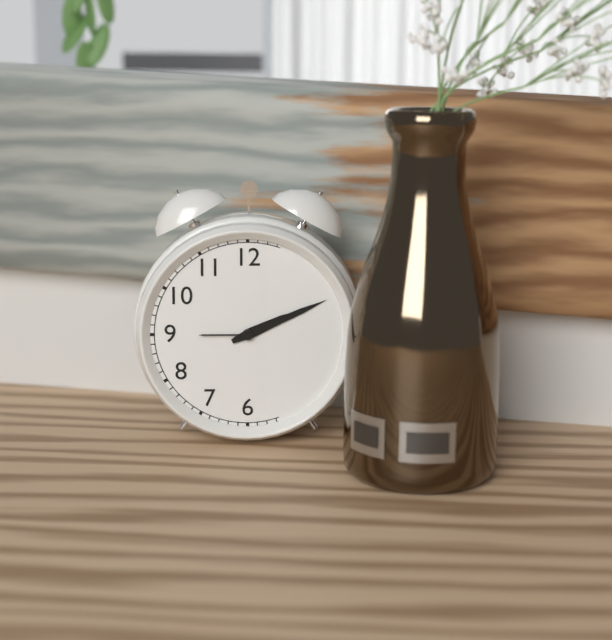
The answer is 2.11
